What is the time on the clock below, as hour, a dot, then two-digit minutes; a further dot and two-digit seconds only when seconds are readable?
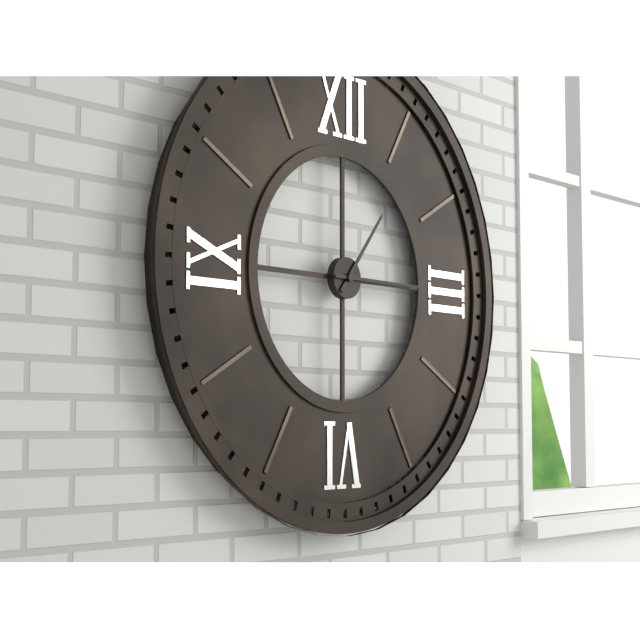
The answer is 1.15
